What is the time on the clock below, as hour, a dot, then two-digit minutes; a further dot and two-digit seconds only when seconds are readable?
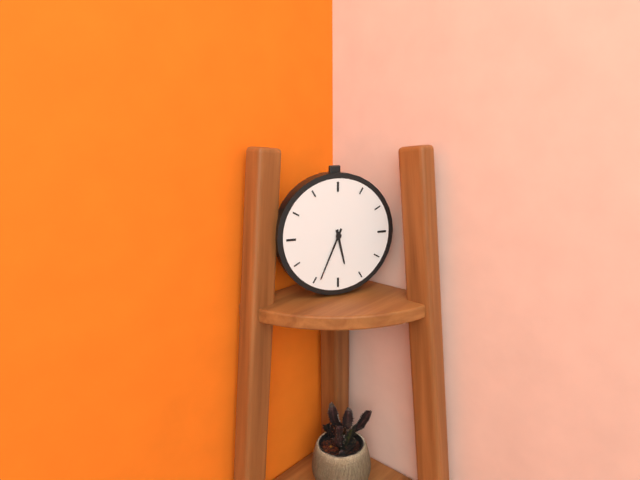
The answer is 5.34
